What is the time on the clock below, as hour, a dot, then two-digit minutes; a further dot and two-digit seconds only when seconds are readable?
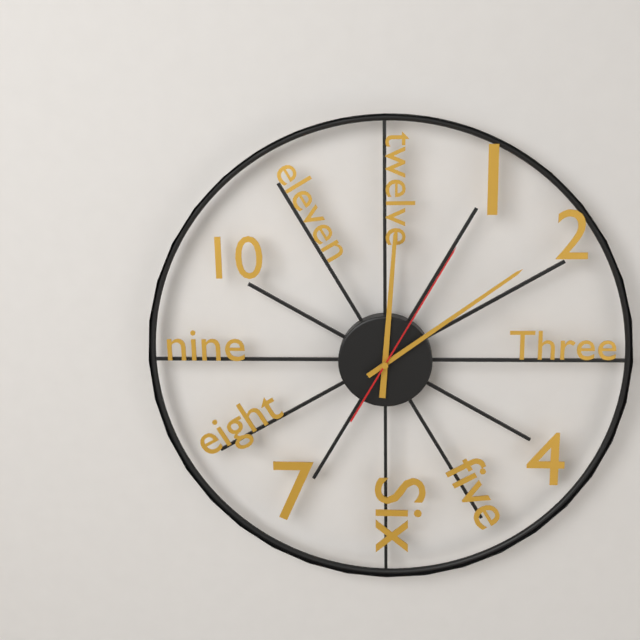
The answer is 12.09.05
